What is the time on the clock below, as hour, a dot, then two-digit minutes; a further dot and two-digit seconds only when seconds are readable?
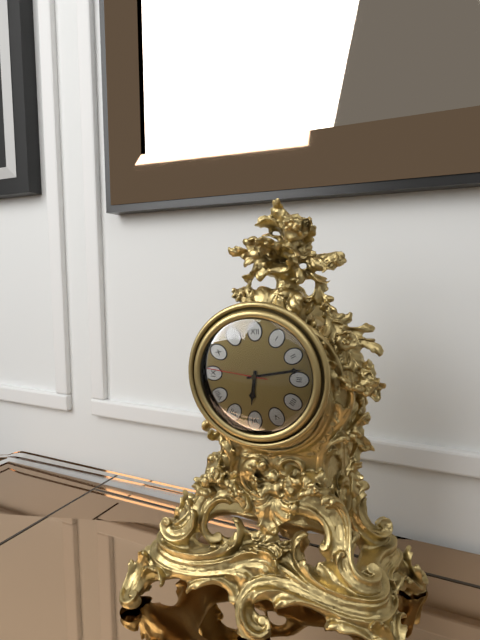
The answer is 6.13.46
